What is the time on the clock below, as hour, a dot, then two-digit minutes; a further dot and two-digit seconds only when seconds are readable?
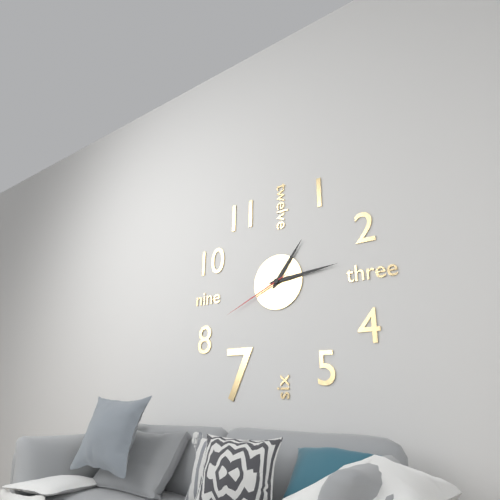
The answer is 1.14.41
